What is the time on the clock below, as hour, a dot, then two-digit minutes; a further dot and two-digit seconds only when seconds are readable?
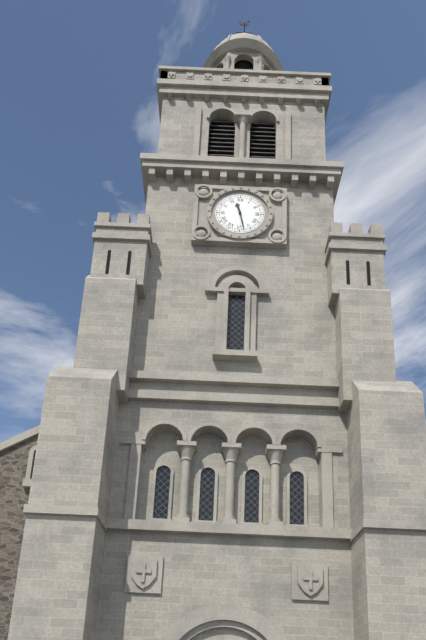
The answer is 11.28
